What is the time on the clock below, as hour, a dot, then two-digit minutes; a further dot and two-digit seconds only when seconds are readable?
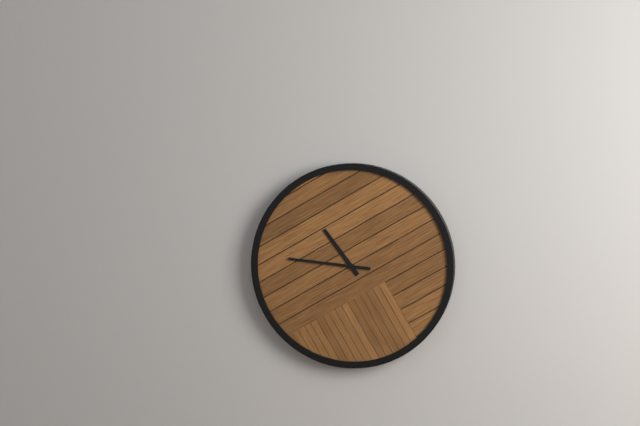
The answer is 10.46
